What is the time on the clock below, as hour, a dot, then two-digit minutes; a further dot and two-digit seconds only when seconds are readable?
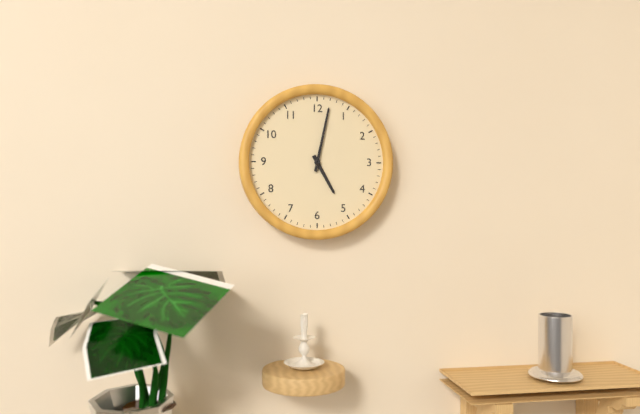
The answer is 5.02
